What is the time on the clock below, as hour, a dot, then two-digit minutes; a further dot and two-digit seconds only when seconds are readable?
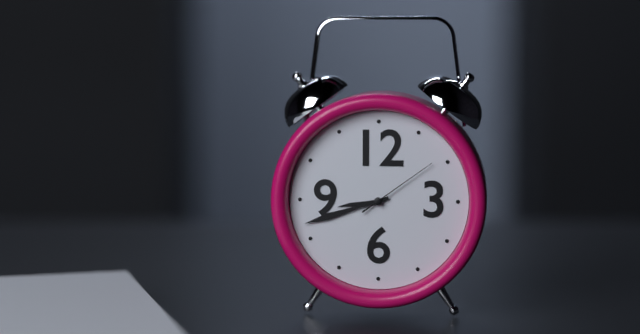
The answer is 8.42.09
